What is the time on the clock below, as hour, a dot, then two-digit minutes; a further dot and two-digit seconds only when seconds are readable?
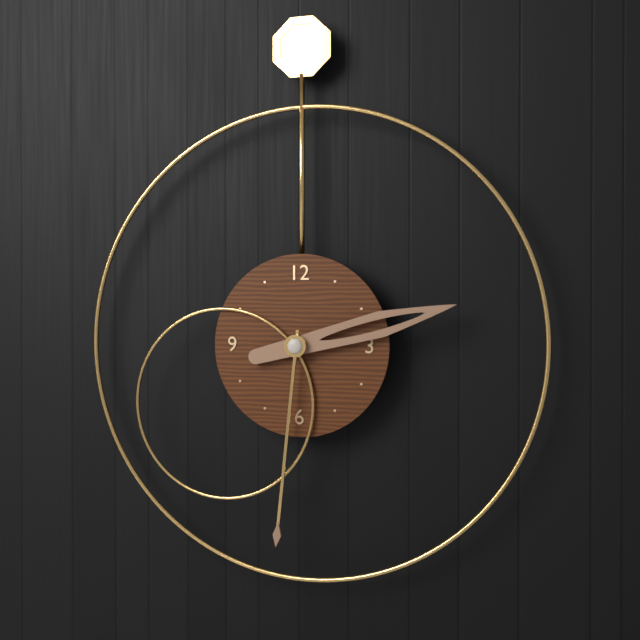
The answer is 2.31
